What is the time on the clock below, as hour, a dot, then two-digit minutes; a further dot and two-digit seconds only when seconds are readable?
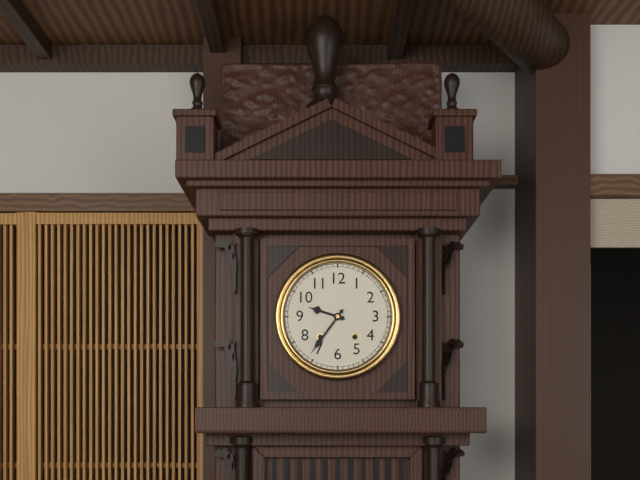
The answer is 9.36
